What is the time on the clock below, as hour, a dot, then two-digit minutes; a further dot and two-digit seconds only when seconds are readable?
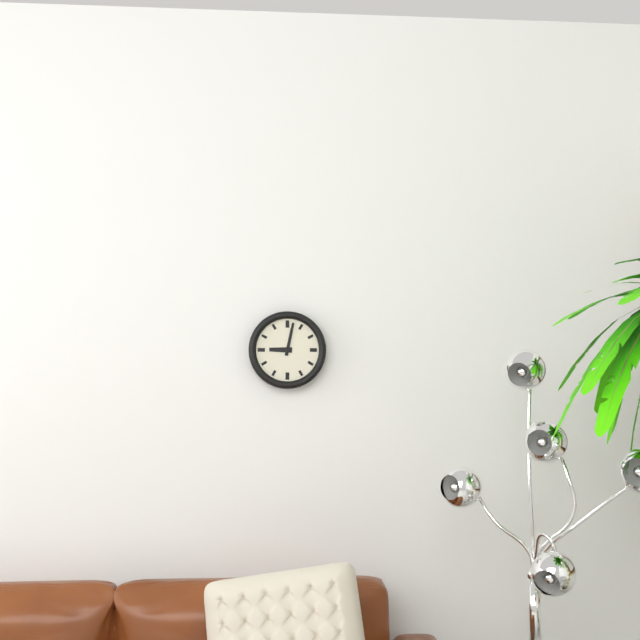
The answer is 9.02
